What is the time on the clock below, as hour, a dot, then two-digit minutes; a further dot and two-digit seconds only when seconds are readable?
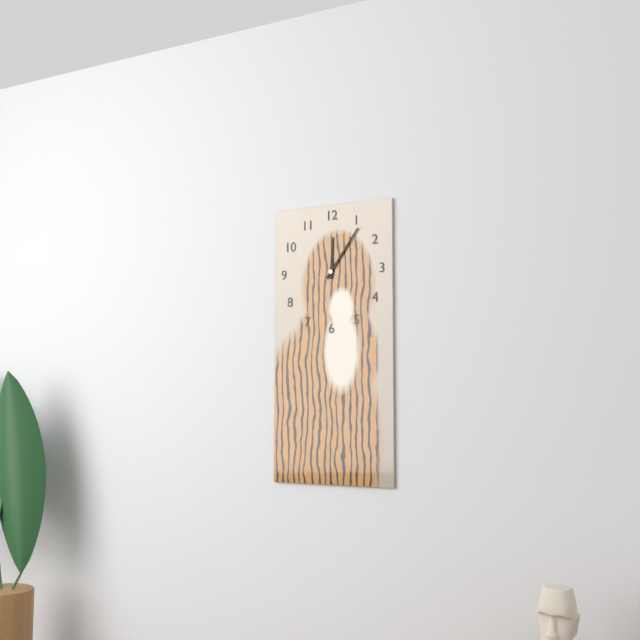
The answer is 12.06
